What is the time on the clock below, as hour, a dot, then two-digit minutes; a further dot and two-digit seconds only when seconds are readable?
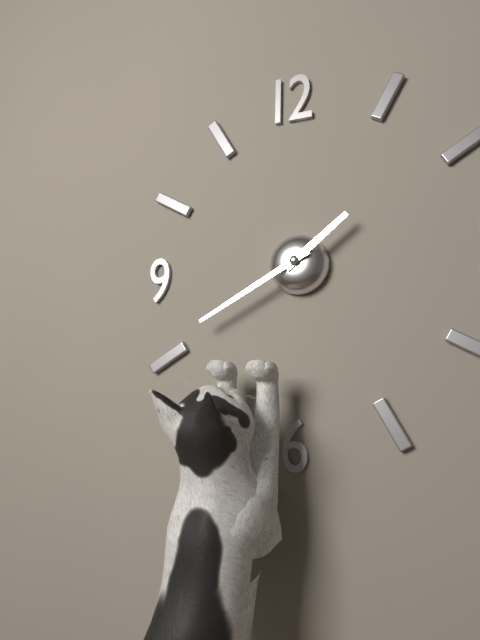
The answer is 1.40
